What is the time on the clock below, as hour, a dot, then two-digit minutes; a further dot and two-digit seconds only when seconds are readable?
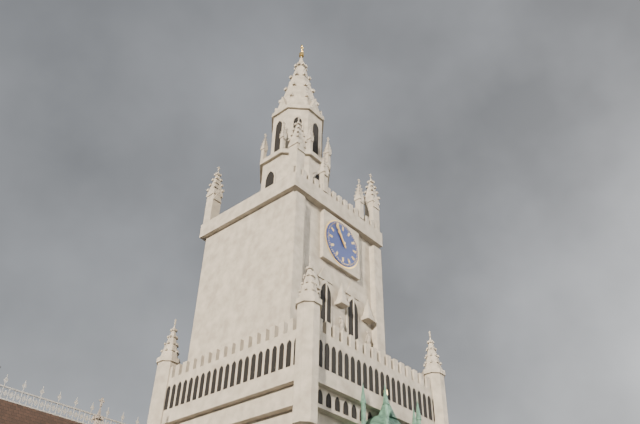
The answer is 10.55
